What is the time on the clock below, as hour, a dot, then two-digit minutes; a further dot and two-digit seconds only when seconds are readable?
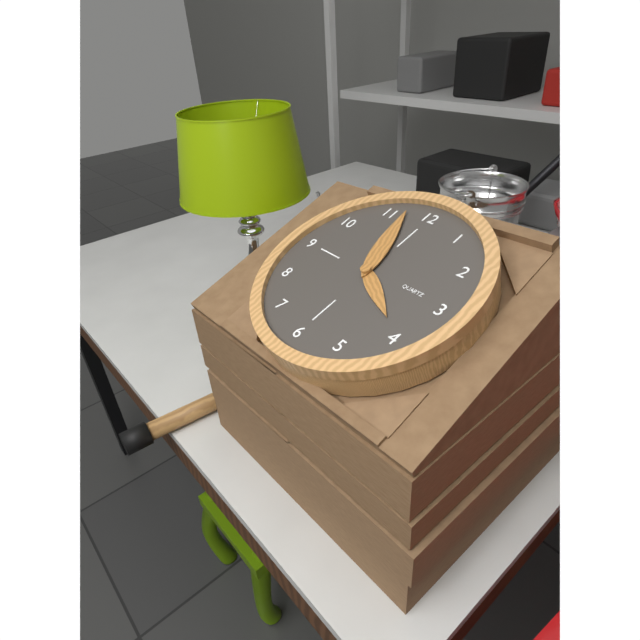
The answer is 3.57
